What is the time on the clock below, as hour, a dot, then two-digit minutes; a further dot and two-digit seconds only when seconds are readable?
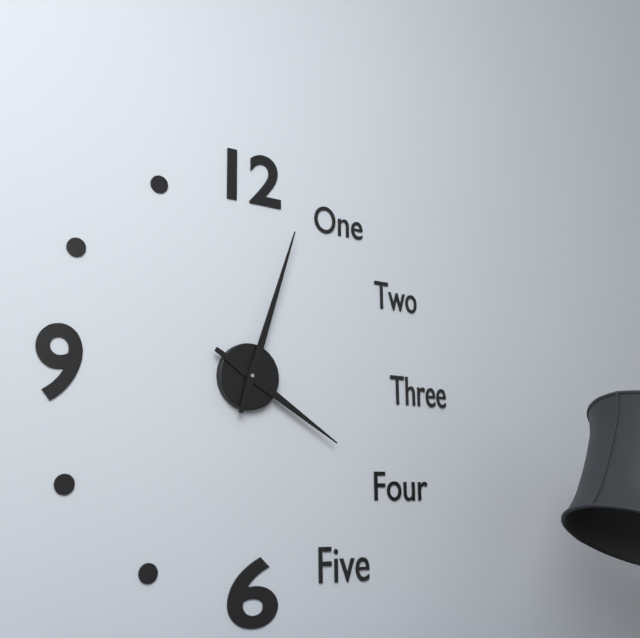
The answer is 4.03
